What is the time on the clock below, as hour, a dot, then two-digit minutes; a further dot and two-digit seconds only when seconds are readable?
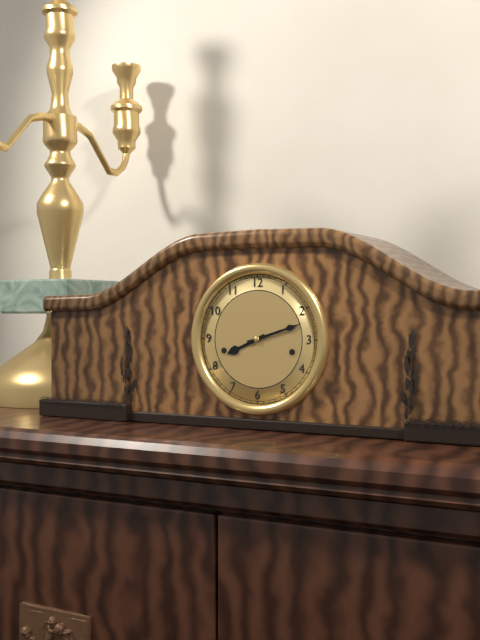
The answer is 8.12
